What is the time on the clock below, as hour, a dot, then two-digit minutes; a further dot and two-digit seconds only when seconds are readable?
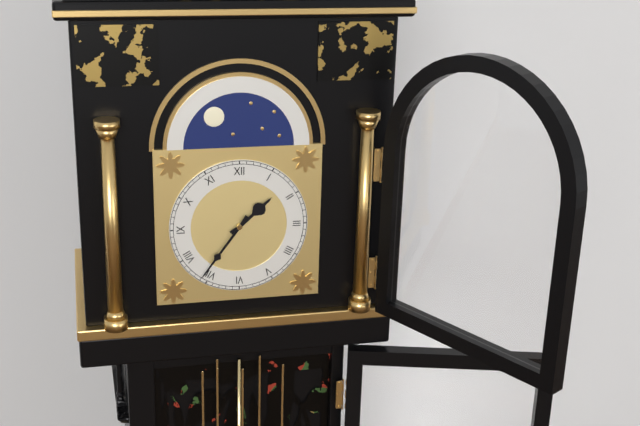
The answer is 1.36
